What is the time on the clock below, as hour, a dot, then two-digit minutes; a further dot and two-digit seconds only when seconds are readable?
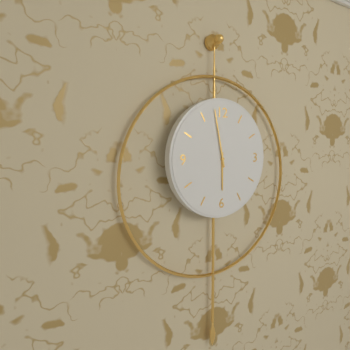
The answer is 5.58
